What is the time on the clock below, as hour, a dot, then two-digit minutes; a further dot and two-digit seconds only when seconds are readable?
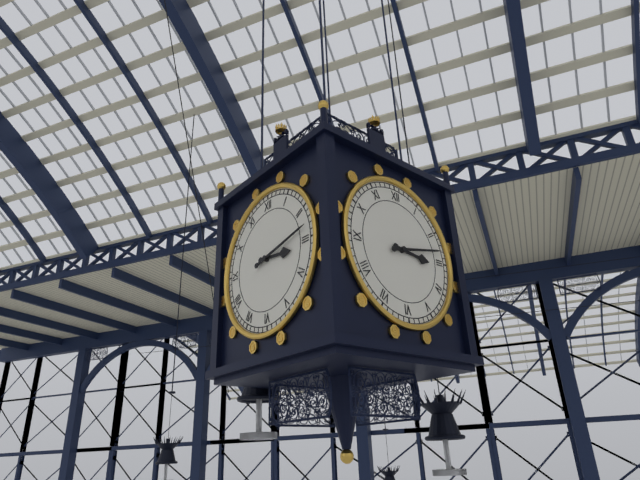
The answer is 3.13
